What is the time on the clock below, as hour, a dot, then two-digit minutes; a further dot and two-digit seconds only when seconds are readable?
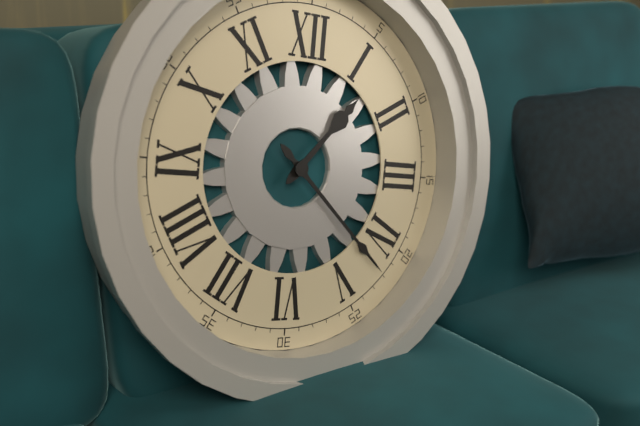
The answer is 1.22
